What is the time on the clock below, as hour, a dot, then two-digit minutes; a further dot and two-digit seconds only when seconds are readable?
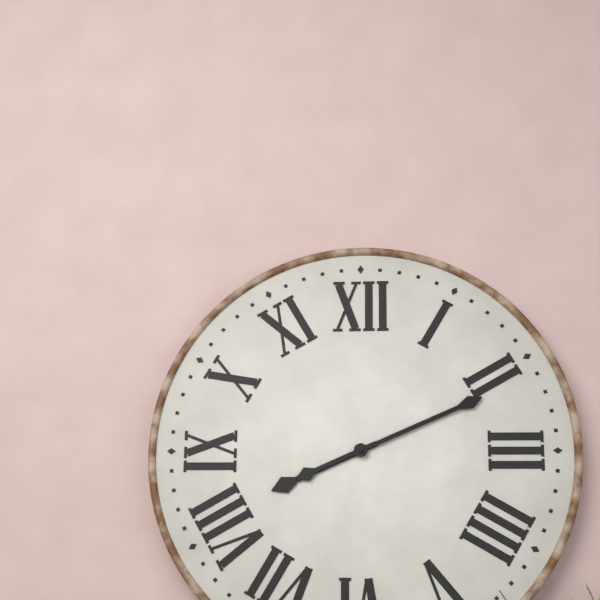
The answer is 8.11
